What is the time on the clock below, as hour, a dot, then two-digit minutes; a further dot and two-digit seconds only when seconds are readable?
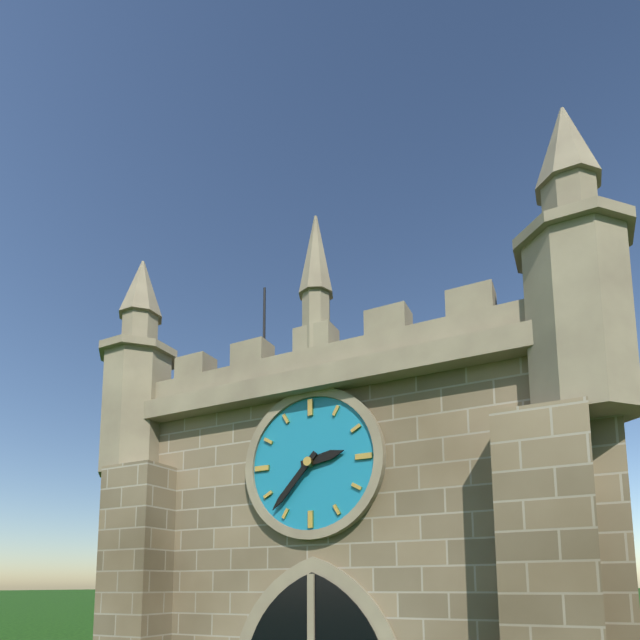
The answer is 2.37
